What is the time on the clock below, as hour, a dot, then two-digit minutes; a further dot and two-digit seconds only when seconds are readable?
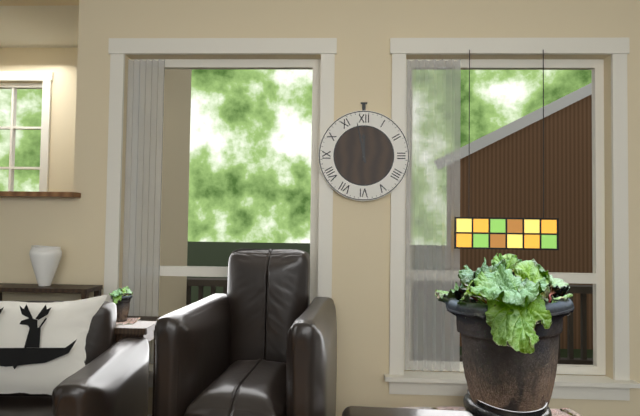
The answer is 11.58
